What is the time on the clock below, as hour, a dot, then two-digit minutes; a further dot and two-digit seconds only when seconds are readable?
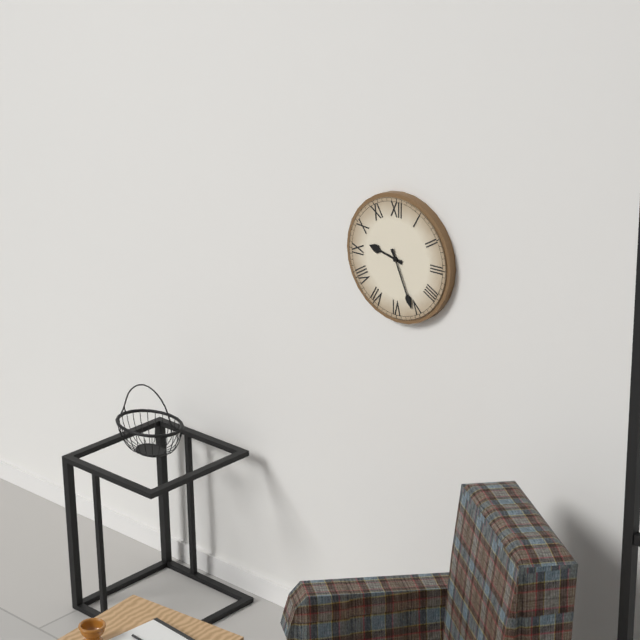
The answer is 9.26
